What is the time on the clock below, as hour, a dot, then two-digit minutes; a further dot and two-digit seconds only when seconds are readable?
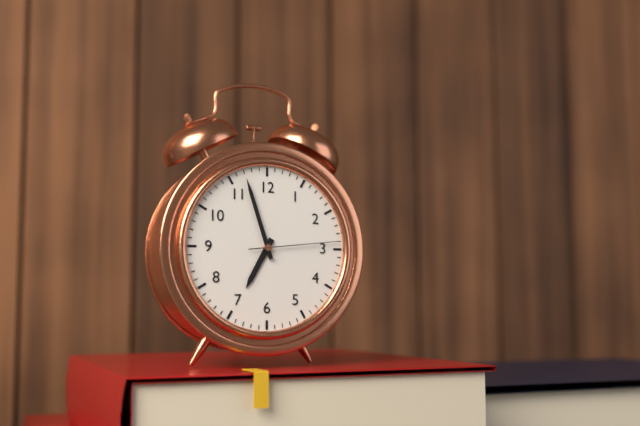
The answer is 6.57.14
